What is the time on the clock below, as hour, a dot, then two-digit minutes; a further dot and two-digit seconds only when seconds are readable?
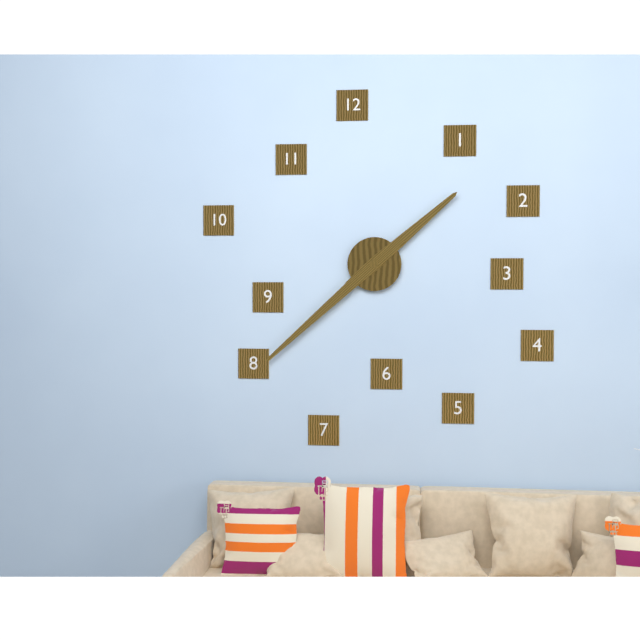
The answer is 1.38
